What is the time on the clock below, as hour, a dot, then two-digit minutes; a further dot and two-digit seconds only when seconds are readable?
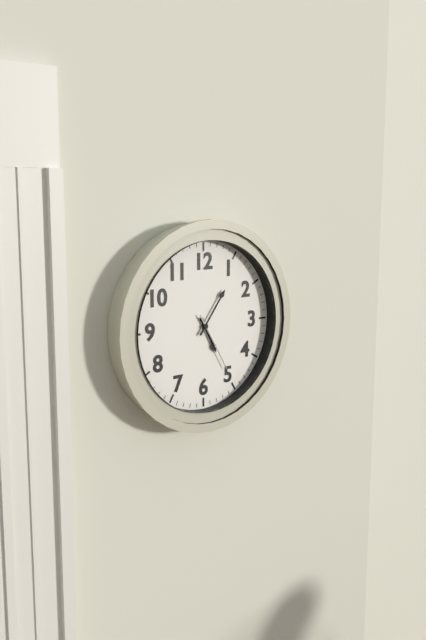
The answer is 5.06.25
